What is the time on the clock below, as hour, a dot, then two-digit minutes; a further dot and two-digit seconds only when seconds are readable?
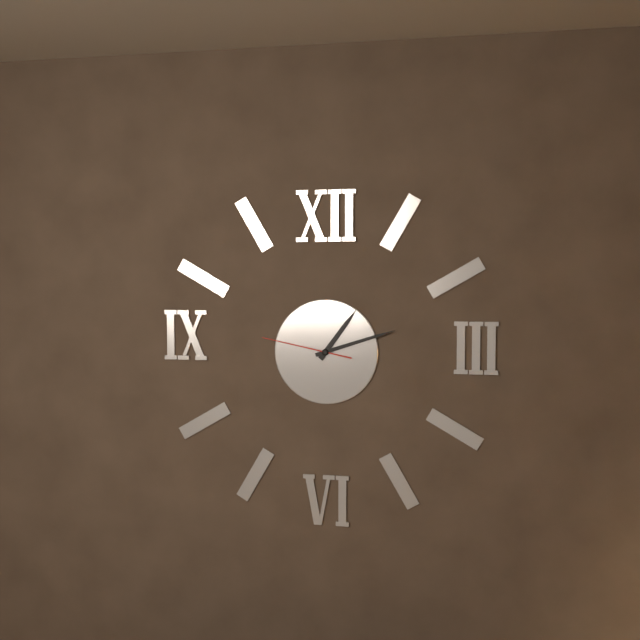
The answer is 1.12.47
